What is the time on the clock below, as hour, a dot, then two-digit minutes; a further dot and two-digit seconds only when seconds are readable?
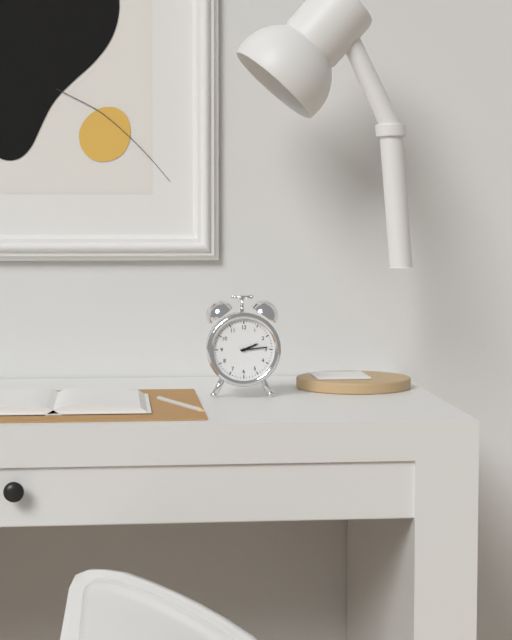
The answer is 2.14
